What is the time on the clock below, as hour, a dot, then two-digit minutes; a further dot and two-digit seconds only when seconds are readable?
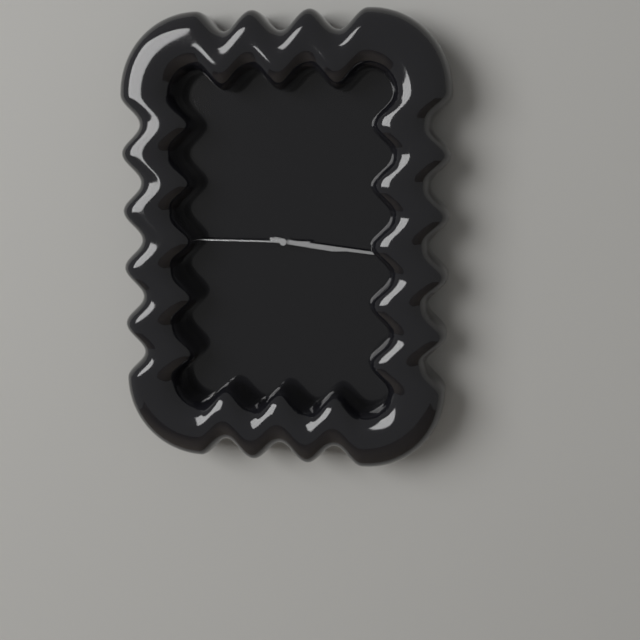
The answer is 3.16.45
